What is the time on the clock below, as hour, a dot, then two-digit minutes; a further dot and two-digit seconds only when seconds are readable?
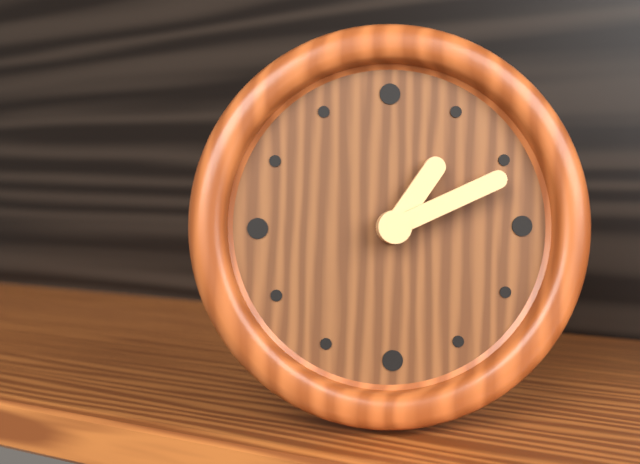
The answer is 1.11
